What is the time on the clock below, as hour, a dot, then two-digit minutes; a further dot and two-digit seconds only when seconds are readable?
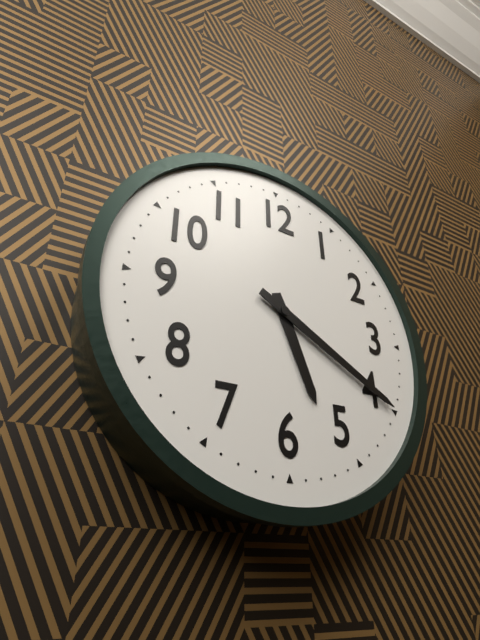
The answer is 5.20
